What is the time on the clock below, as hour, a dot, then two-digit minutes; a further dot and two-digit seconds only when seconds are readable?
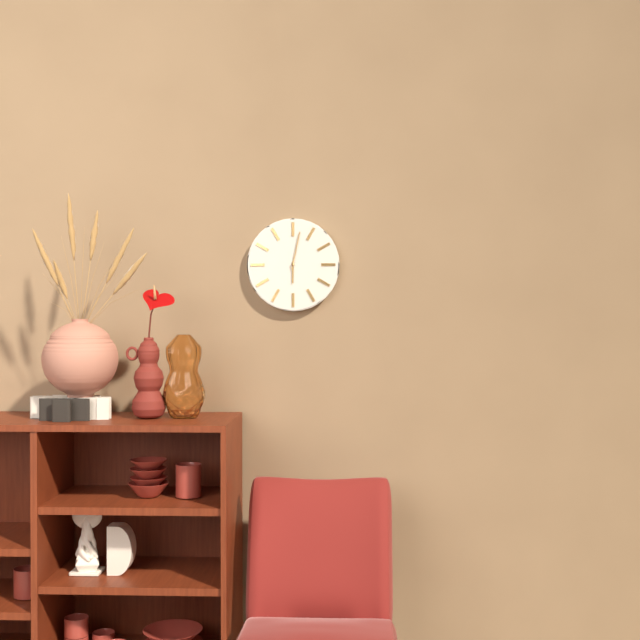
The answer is 6.02
